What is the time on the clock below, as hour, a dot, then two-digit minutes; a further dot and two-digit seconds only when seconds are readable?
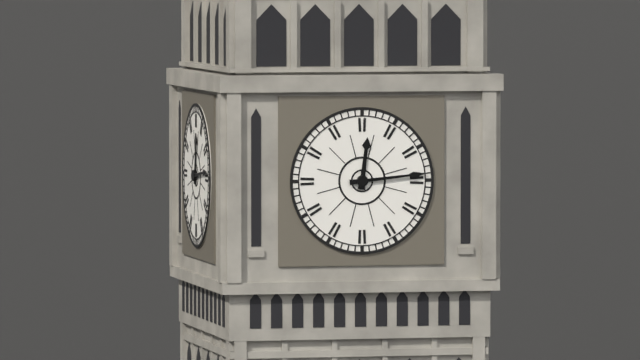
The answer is 12.14
